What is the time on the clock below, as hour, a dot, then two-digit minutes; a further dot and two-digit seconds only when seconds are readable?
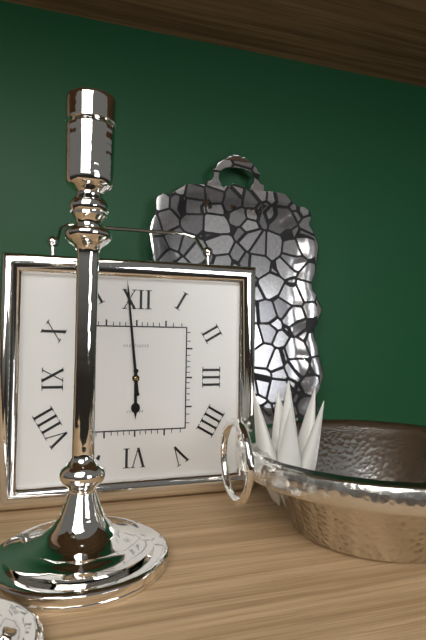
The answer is 5.59
